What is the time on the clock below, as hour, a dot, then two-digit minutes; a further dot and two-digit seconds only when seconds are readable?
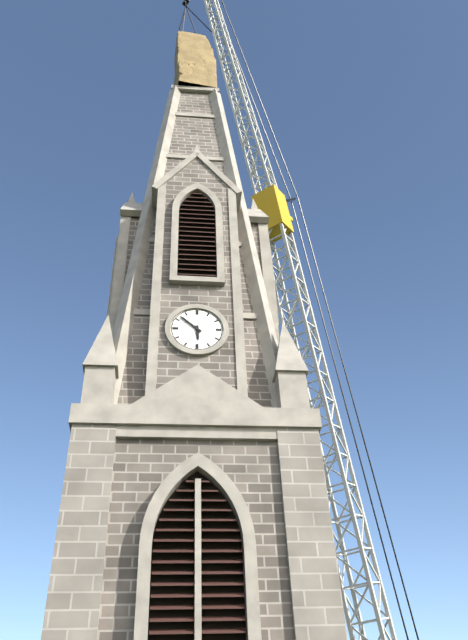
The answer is 5.52
